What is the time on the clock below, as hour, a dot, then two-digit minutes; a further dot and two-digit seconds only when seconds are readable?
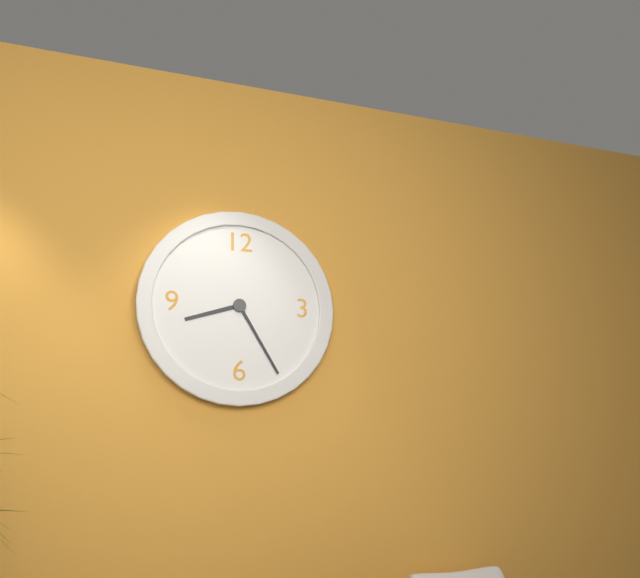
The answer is 8.25
